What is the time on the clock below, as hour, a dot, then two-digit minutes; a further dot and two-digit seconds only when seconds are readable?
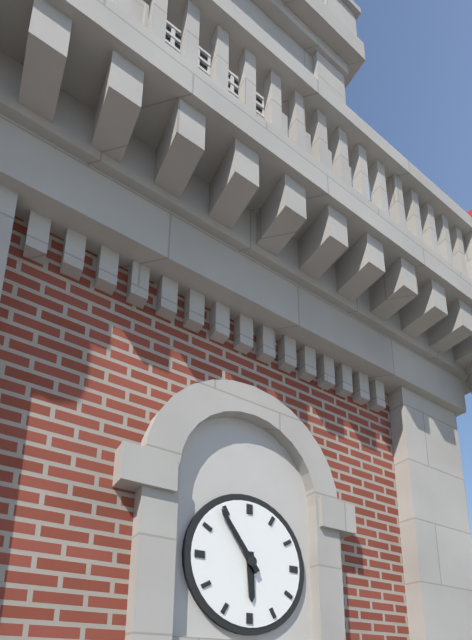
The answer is 5.54
